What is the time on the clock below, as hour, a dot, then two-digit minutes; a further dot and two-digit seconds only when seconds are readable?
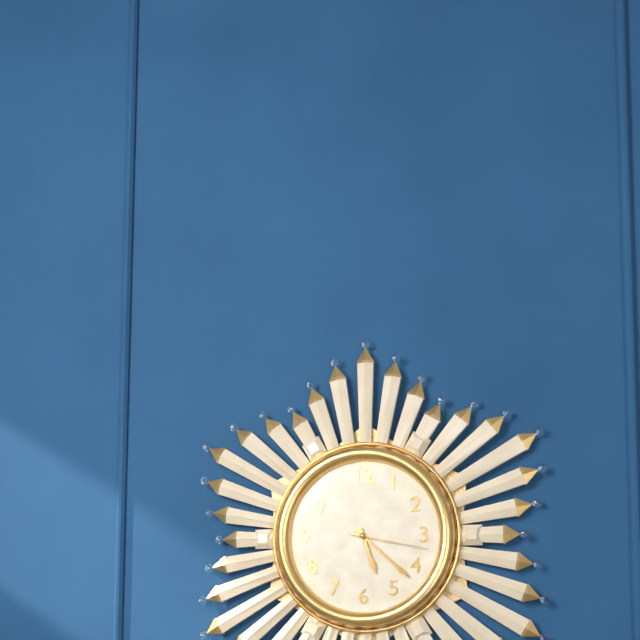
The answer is 5.22.17
